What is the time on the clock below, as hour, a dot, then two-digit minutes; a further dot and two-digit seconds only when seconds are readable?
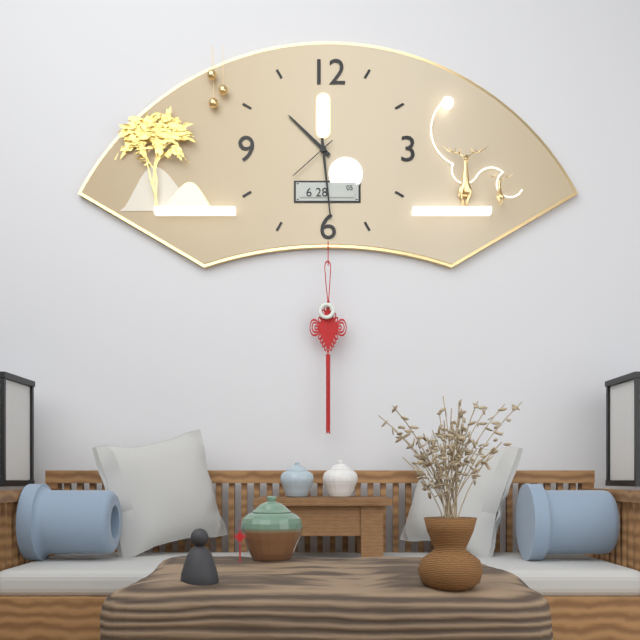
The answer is 10.29.38
